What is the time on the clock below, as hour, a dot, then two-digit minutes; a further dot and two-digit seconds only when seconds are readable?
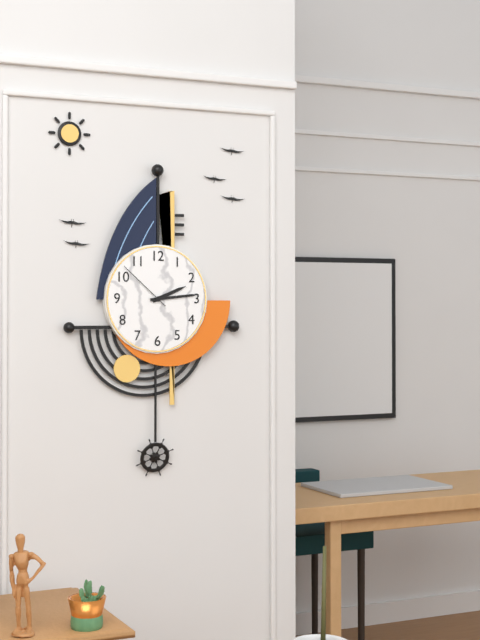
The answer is 2.14.52
